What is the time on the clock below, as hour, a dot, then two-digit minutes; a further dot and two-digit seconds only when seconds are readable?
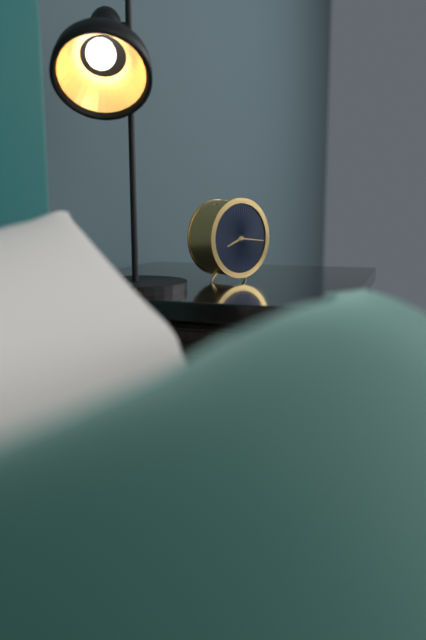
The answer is 8.16
